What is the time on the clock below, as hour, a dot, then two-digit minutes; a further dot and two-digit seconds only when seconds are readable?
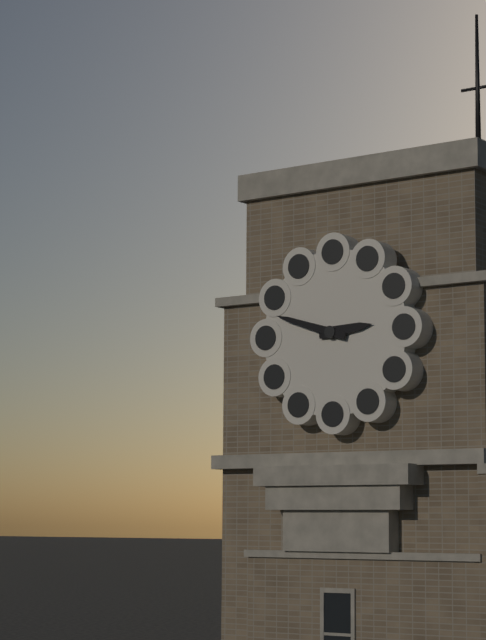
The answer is 2.48
